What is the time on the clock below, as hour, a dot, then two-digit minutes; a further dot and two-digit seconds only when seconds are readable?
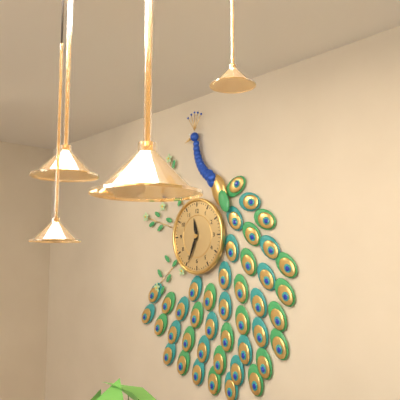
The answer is 11.34
